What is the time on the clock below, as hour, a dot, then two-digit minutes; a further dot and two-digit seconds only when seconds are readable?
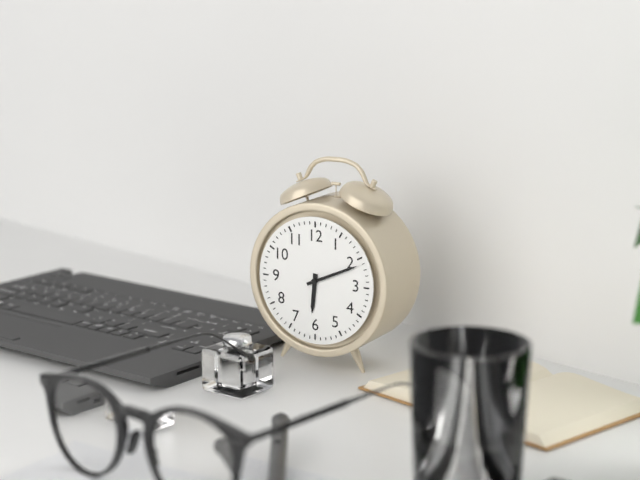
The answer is 6.11
